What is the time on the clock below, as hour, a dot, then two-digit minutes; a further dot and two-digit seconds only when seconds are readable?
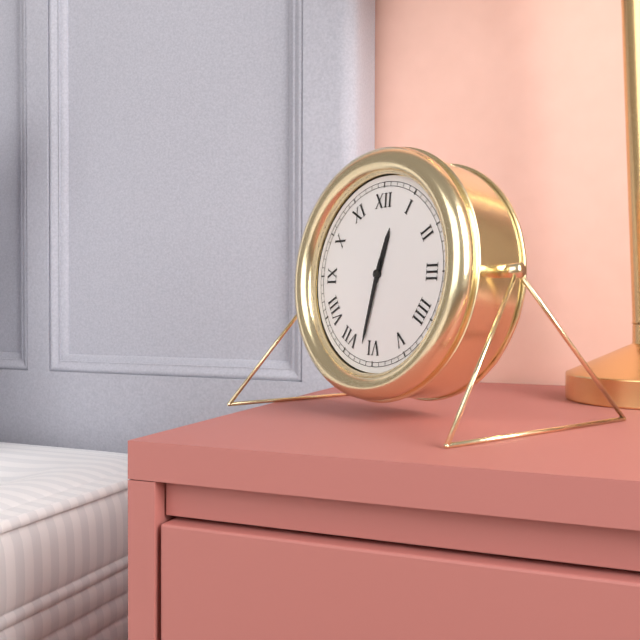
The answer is 12.32
